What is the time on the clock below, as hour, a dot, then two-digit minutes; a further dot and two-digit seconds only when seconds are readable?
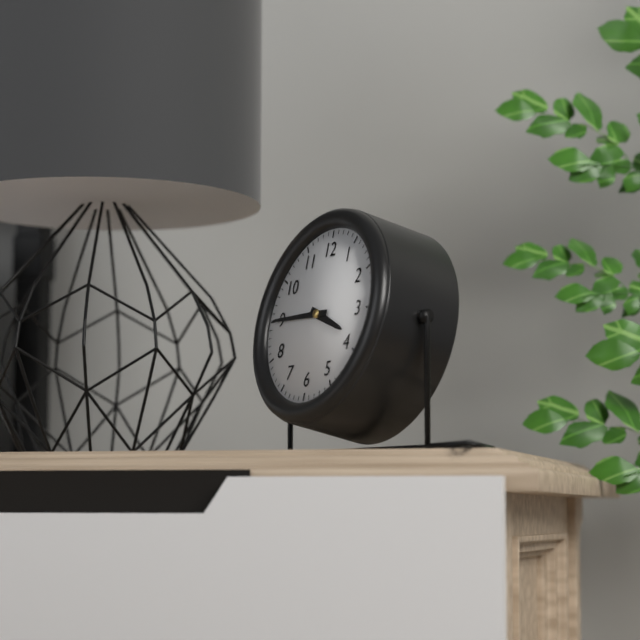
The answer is 3.45
